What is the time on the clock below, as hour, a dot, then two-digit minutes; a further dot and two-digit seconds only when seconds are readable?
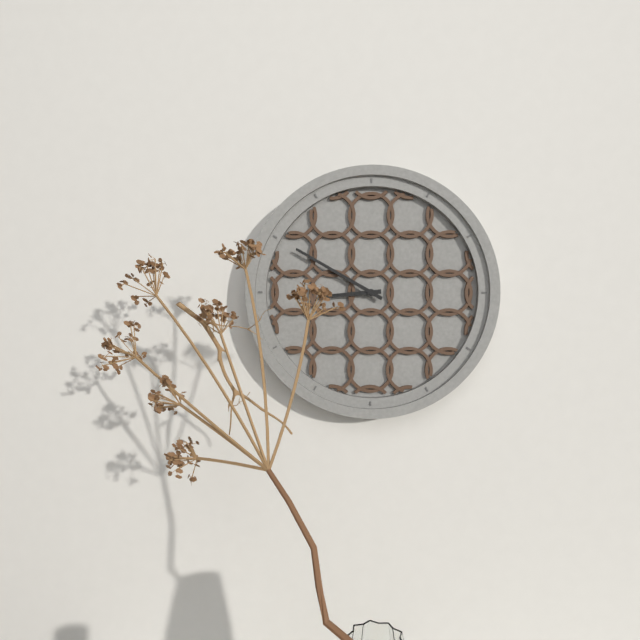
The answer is 8.50
